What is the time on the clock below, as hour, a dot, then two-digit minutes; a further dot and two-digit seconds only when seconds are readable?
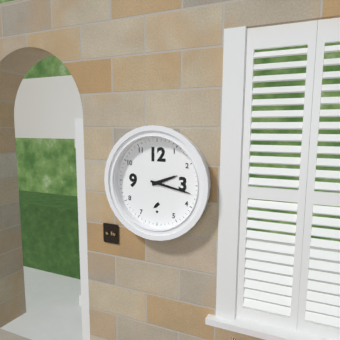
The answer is 2.17
